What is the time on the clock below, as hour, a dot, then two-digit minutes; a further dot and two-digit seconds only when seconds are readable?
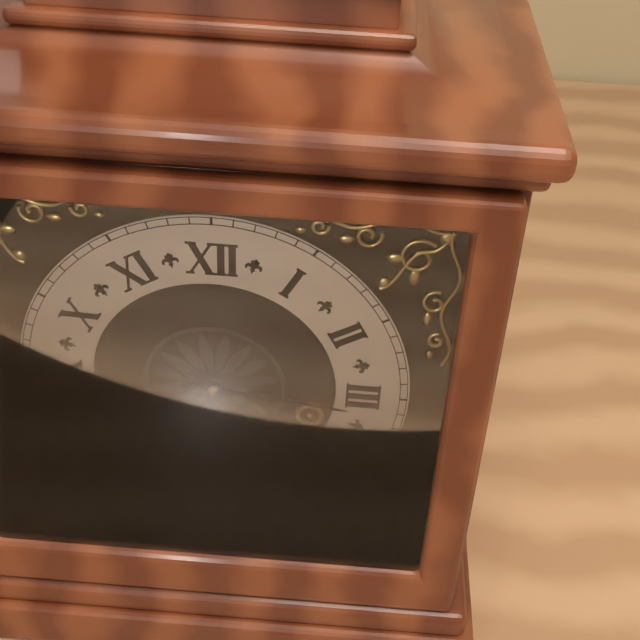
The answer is 3.16
